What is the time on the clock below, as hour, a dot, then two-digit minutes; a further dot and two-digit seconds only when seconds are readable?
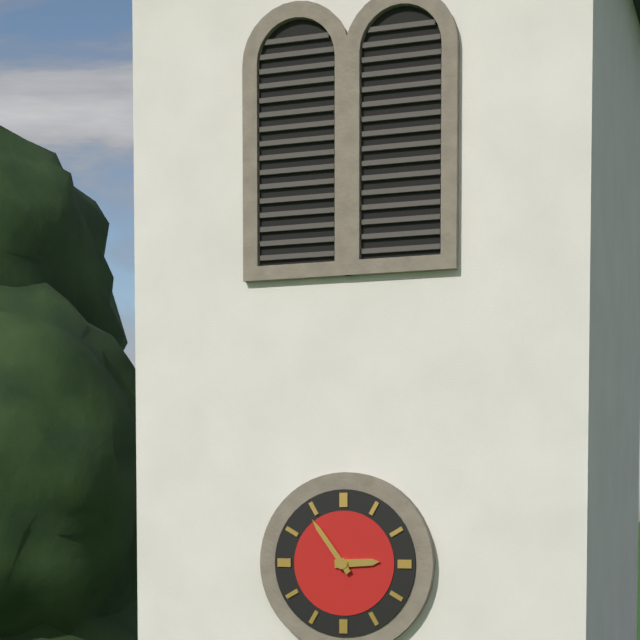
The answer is 2.54
